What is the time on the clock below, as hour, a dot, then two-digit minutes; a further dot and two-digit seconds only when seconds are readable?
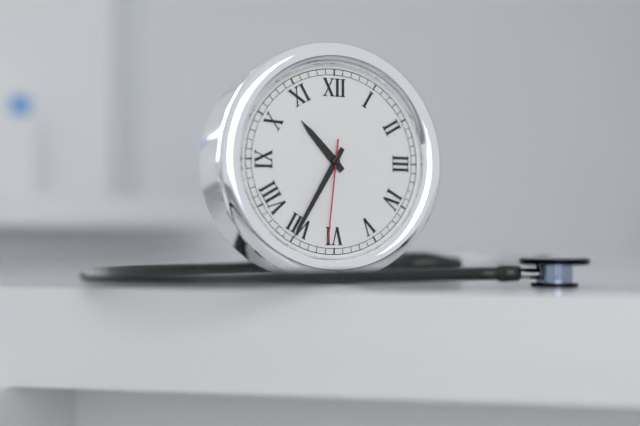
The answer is 10.35.31
